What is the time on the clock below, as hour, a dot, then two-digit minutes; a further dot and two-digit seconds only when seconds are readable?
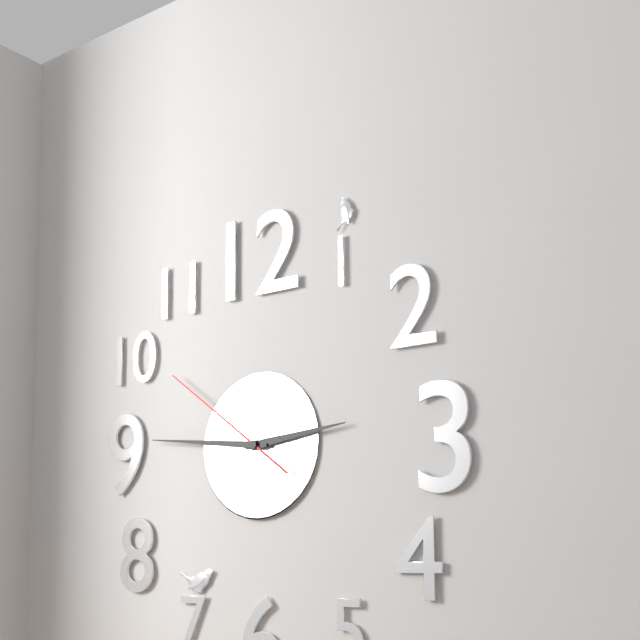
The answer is 2.46.51
